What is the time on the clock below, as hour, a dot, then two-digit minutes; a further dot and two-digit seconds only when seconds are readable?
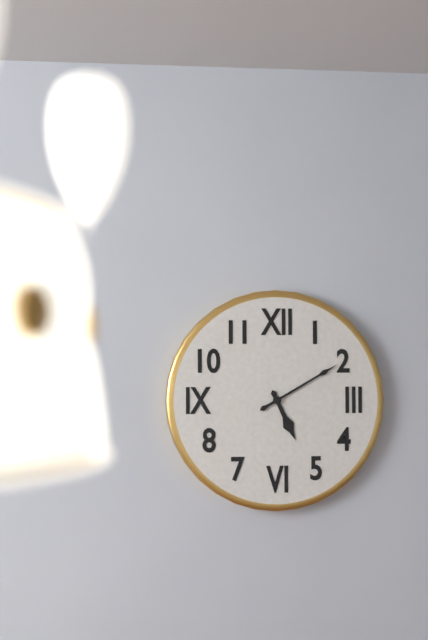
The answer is 5.10
